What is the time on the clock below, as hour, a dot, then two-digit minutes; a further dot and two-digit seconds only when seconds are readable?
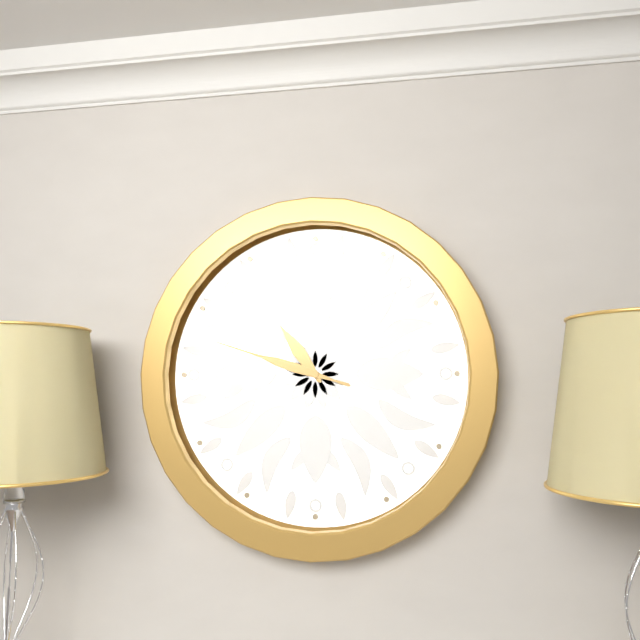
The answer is 10.48
